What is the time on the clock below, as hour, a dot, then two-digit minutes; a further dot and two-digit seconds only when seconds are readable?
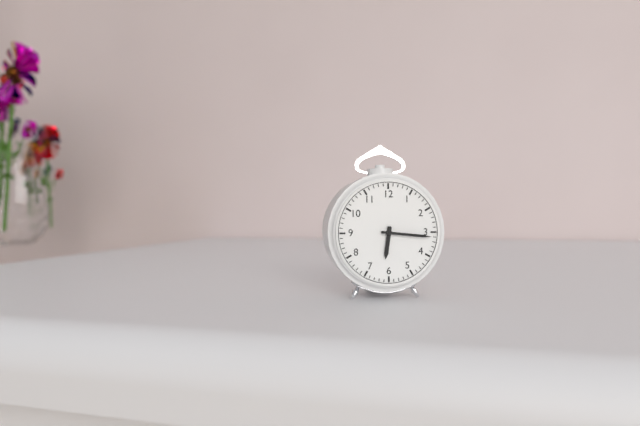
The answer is 6.16
